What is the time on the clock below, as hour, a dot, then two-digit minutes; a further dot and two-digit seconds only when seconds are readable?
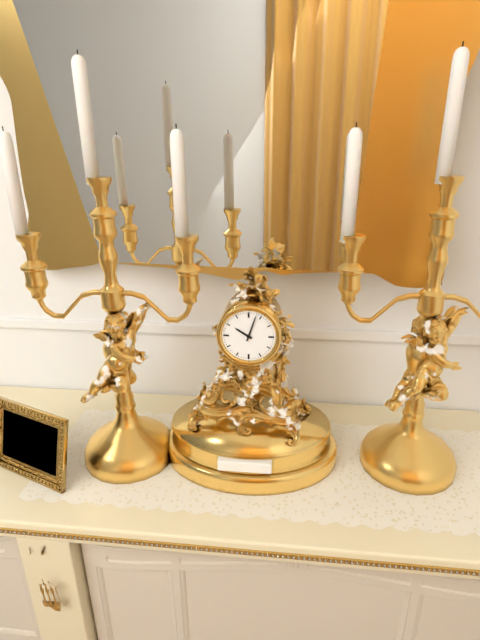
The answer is 10.03
